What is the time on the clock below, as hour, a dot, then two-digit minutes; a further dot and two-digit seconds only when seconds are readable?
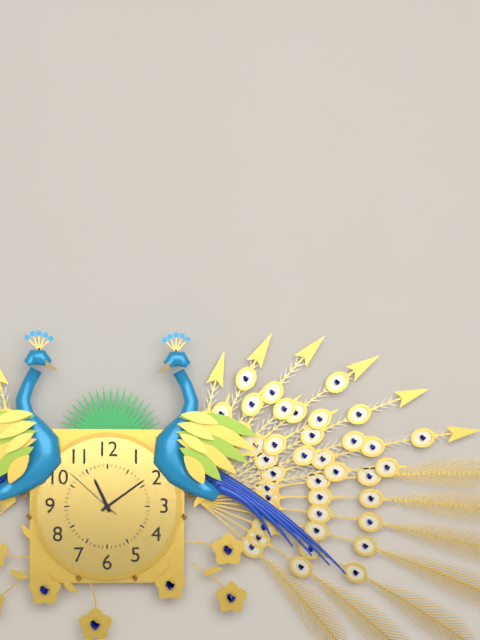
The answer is 11.09.52
